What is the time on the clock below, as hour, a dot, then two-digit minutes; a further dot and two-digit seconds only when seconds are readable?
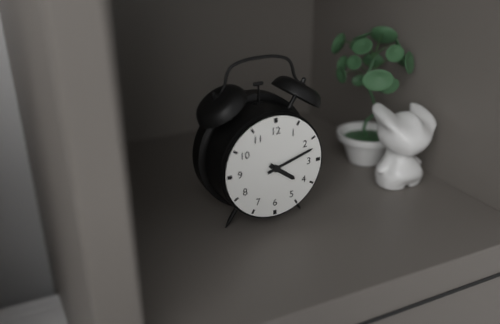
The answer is 4.12
